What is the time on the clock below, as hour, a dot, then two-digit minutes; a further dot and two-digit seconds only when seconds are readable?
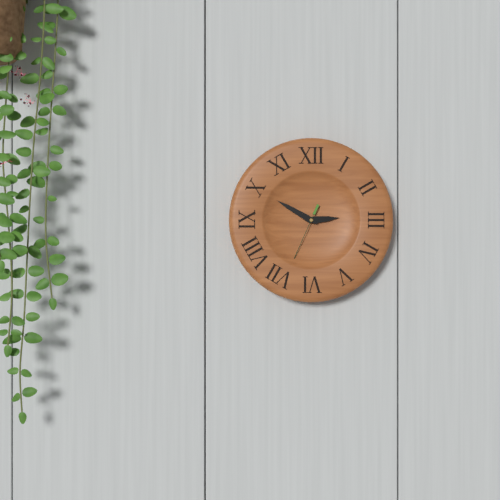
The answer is 2.50.34
